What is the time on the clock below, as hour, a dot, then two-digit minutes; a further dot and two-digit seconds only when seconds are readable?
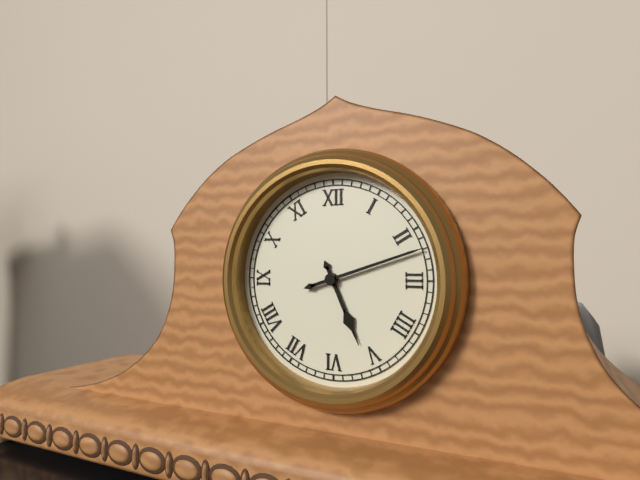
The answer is 5.12
